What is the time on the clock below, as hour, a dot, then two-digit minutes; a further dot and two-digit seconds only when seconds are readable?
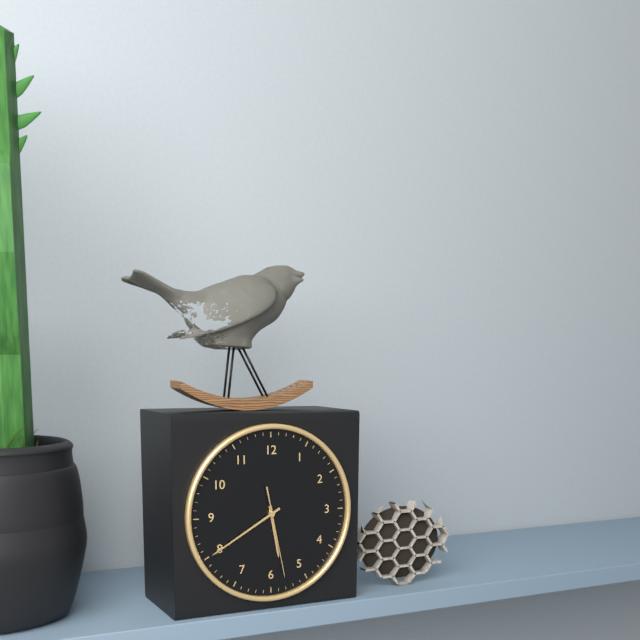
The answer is 5.40.28
